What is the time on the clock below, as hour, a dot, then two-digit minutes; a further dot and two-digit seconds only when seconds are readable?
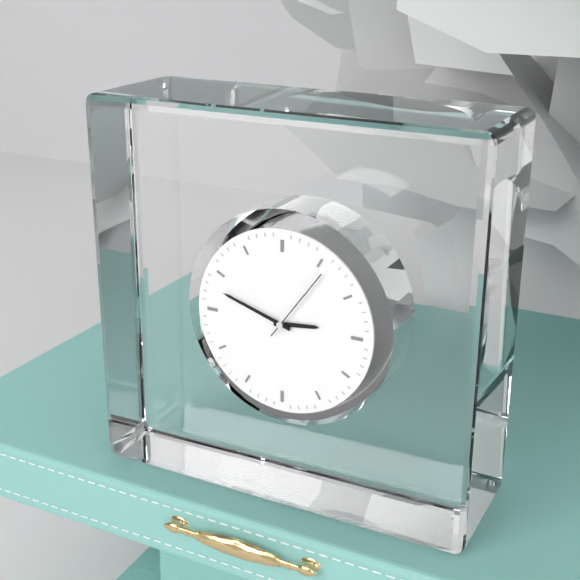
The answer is 2.48.06
